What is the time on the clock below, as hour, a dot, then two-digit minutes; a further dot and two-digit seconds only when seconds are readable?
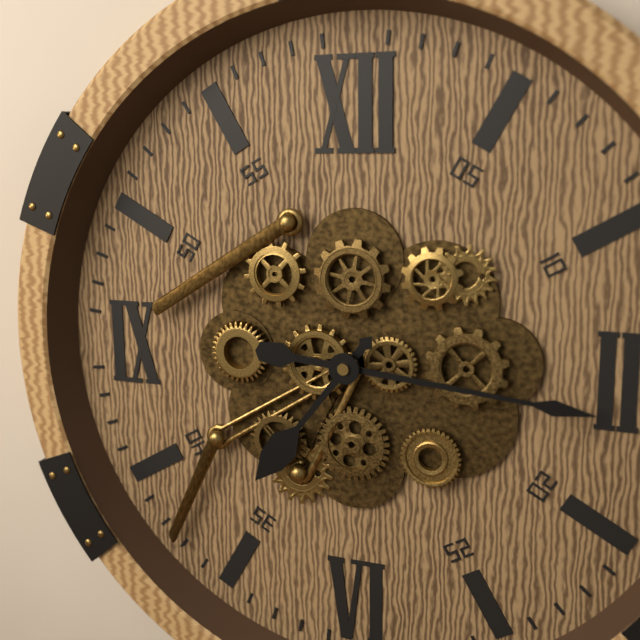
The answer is 7.16
